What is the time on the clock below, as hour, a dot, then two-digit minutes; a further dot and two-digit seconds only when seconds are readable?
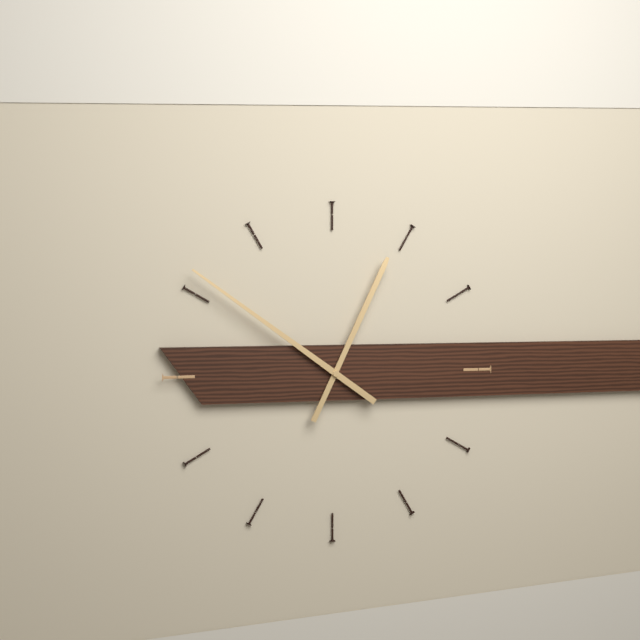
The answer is 12.51
